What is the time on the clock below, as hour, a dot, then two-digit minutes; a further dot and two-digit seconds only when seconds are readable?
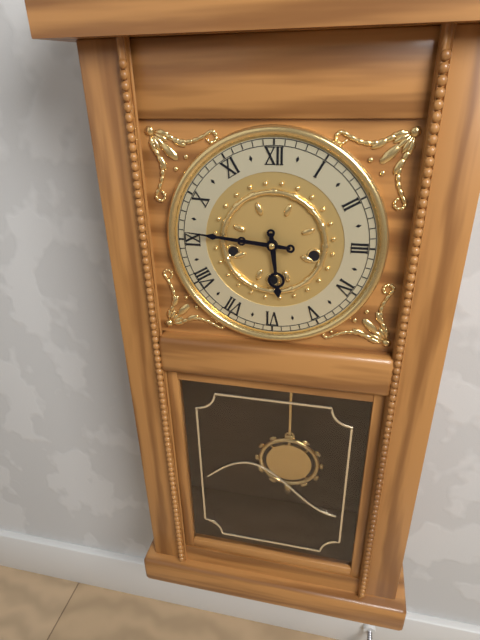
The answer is 5.46
